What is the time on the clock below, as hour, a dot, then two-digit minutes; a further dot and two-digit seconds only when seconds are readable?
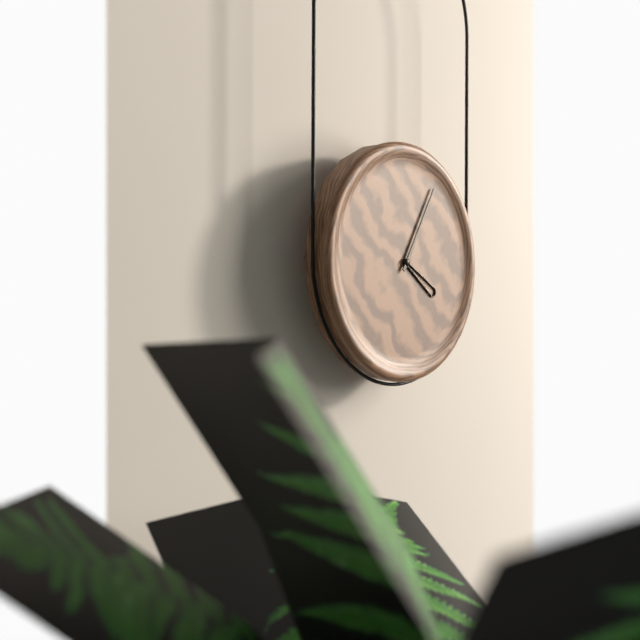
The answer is 4.05
